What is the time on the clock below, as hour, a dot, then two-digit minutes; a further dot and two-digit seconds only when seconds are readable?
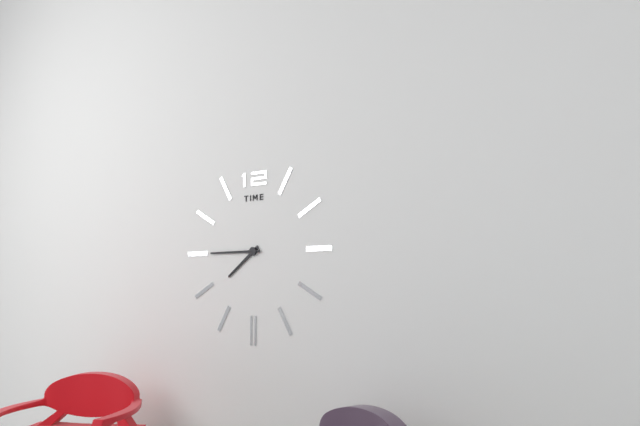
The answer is 7.45
